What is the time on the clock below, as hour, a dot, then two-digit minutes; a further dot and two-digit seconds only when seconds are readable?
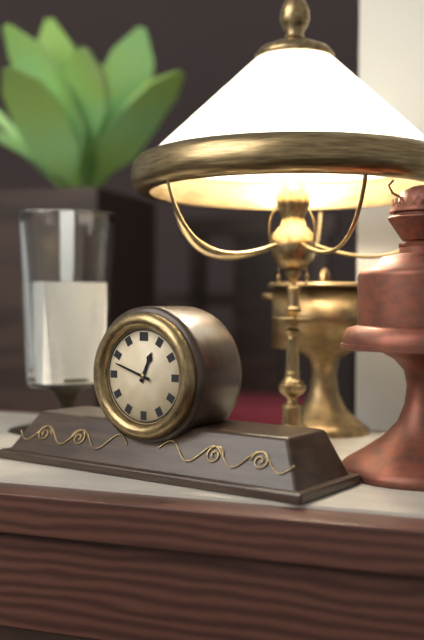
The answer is 12.48
